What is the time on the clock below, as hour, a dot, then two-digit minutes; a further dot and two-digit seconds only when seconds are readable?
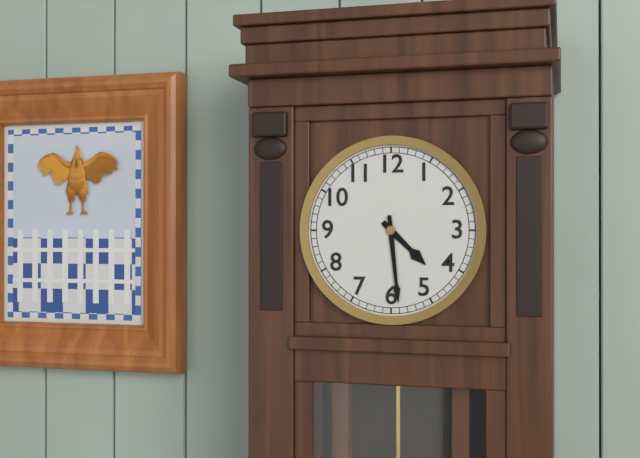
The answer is 4.29
